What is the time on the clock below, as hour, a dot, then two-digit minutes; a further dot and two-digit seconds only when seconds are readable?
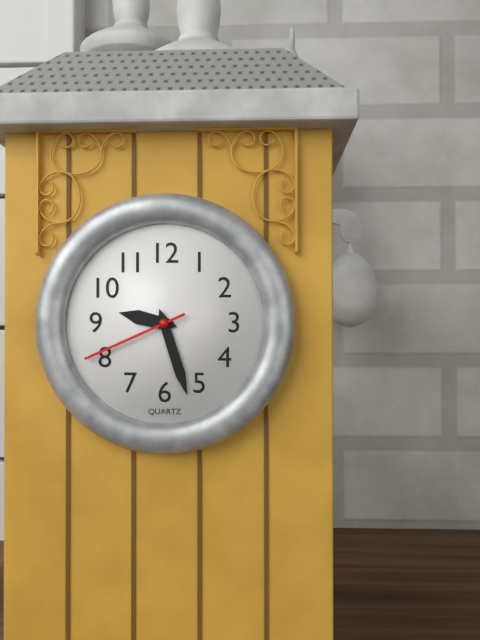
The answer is 9.27.41
